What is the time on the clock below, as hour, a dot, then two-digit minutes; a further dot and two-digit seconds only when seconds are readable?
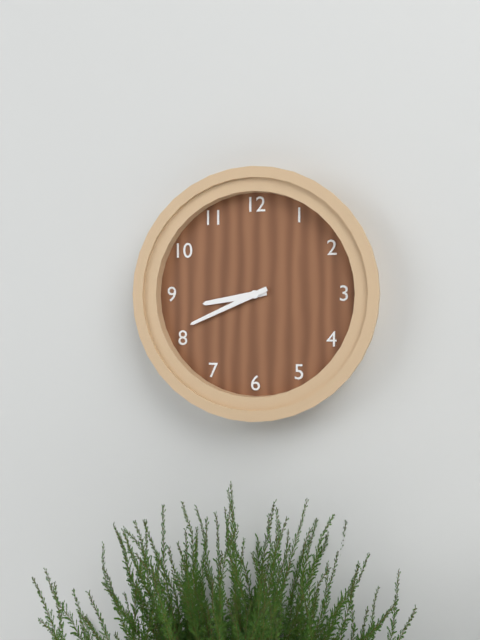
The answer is 8.41
